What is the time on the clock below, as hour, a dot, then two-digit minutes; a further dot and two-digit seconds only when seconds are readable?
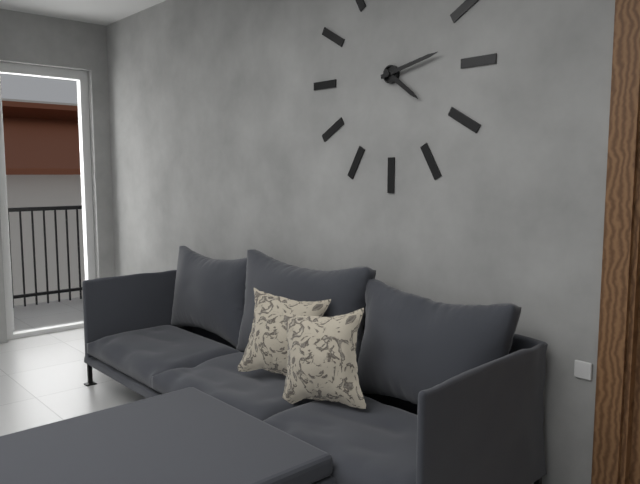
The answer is 4.13
